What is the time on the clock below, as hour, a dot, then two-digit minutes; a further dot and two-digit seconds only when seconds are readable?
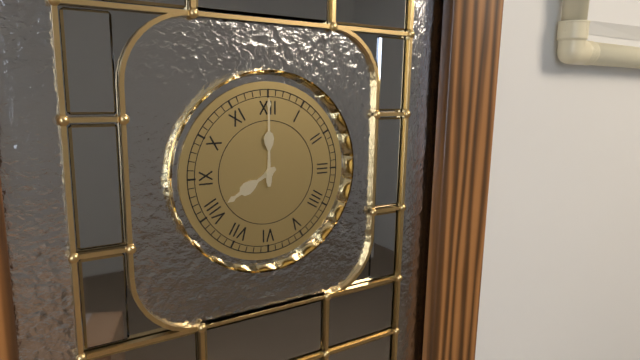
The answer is 8.00
